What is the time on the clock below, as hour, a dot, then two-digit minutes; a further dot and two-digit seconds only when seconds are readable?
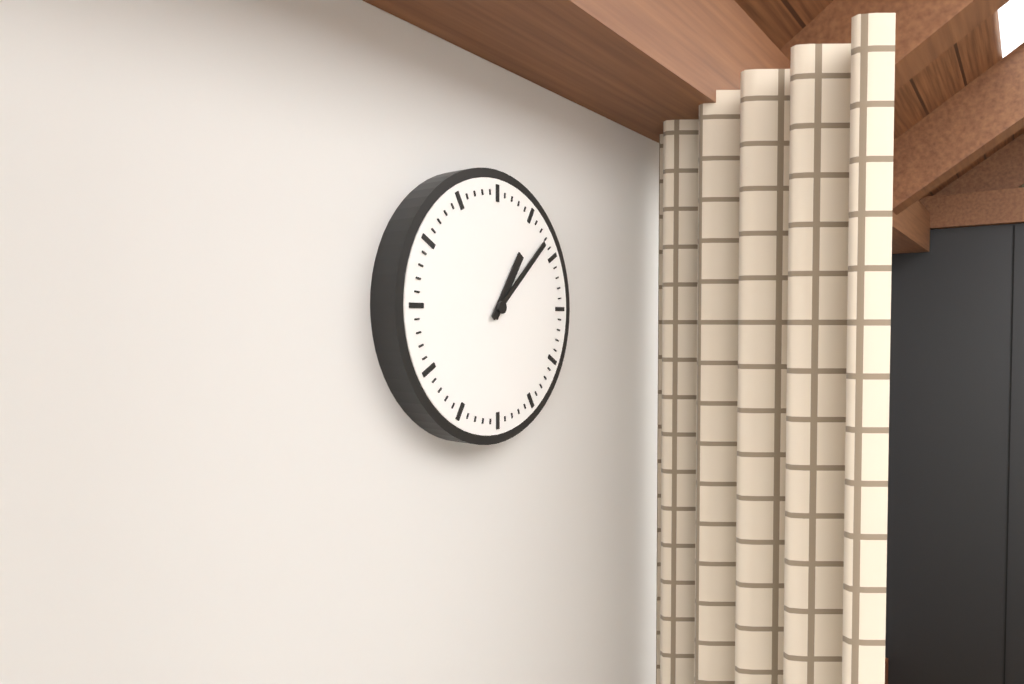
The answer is 1.08
